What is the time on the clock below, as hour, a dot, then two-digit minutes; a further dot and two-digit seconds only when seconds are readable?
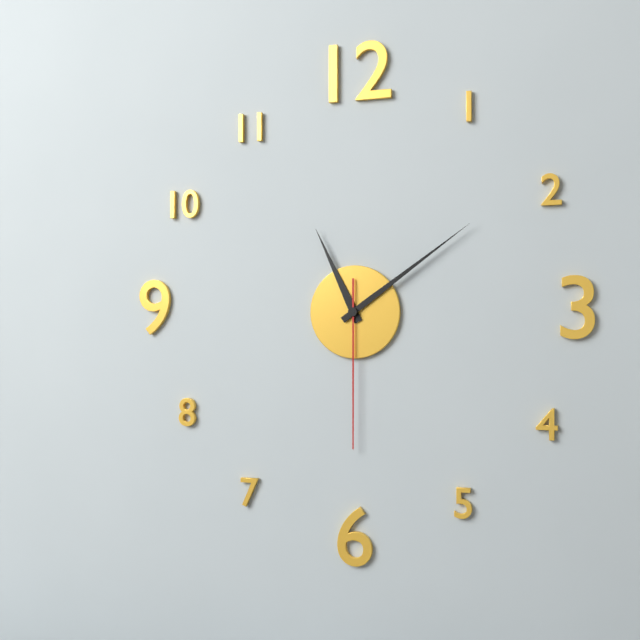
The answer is 11.09.30
